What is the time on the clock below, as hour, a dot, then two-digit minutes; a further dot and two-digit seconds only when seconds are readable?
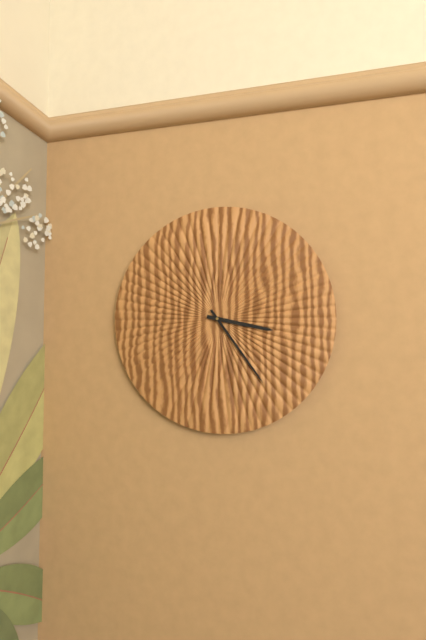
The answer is 3.24
